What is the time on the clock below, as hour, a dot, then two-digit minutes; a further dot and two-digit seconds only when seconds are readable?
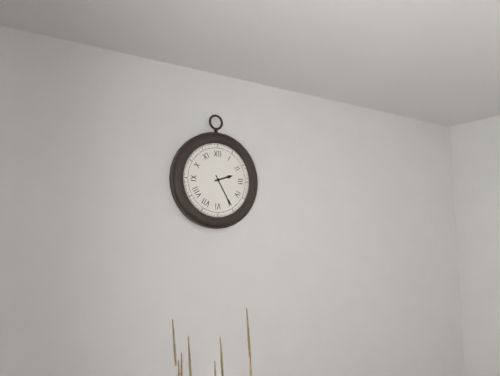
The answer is 2.25
